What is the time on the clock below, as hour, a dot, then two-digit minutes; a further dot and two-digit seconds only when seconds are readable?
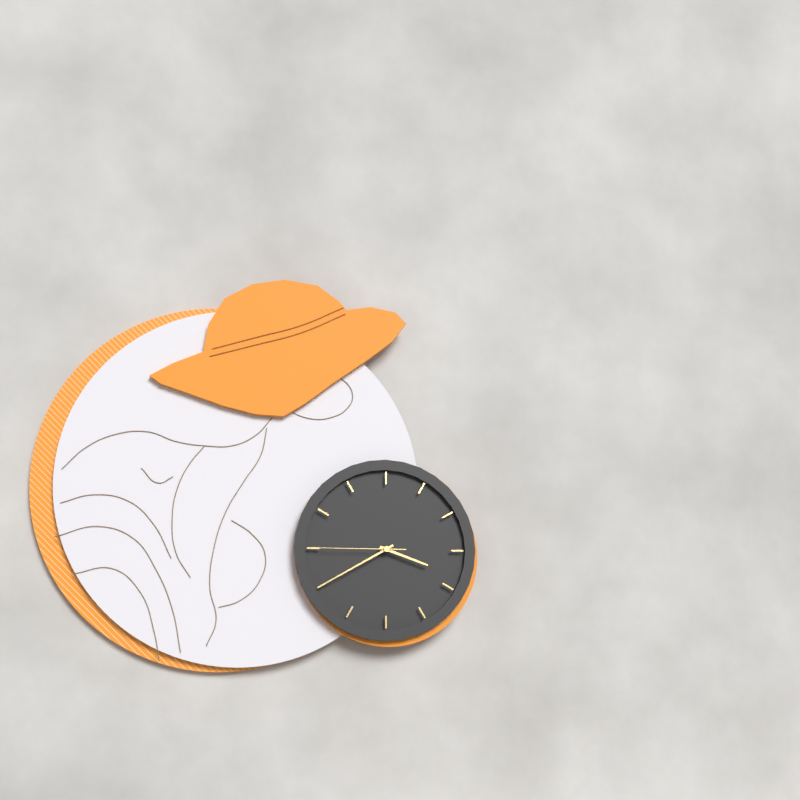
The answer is 3.40.45
